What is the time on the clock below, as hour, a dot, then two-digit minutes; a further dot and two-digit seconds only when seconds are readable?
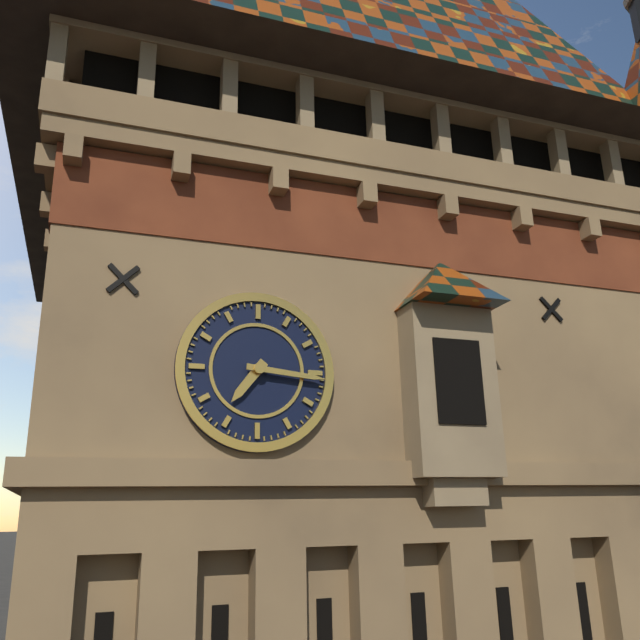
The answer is 7.16
